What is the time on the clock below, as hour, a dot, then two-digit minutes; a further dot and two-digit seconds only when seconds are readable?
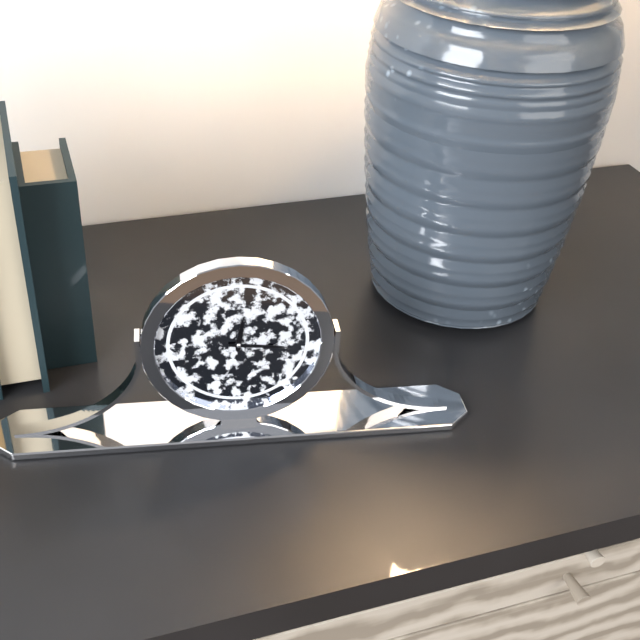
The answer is 12.16
